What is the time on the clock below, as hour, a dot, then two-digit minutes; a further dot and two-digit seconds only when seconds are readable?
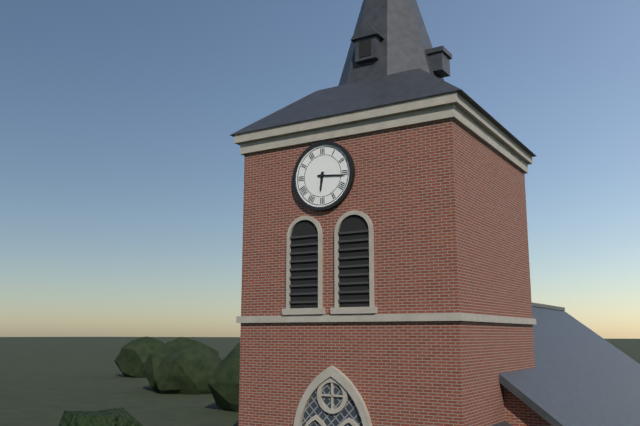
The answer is 6.16
